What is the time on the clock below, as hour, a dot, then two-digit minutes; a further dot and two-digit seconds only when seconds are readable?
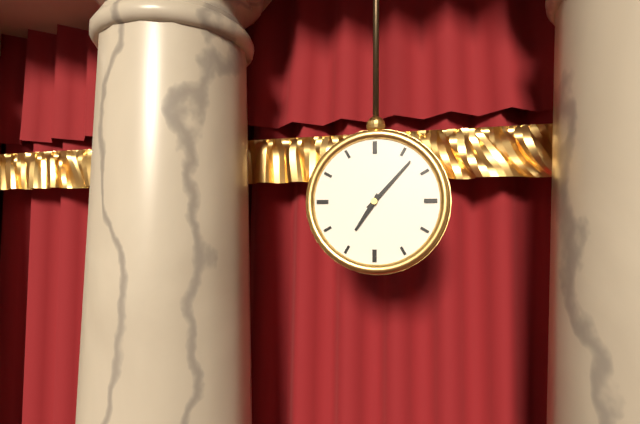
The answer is 7.07
